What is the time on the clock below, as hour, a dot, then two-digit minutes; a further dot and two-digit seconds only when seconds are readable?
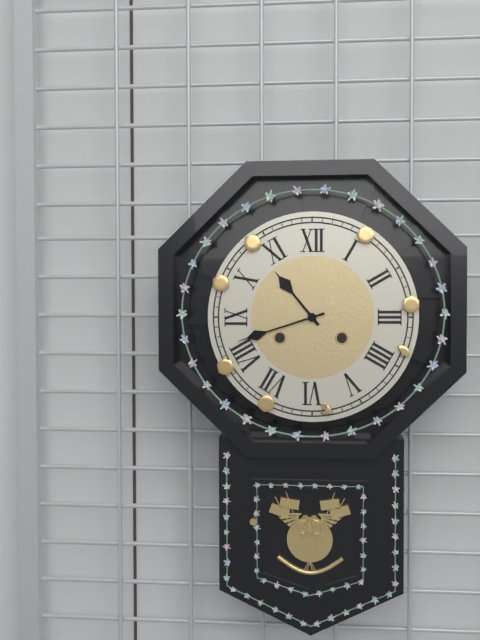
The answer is 10.42
